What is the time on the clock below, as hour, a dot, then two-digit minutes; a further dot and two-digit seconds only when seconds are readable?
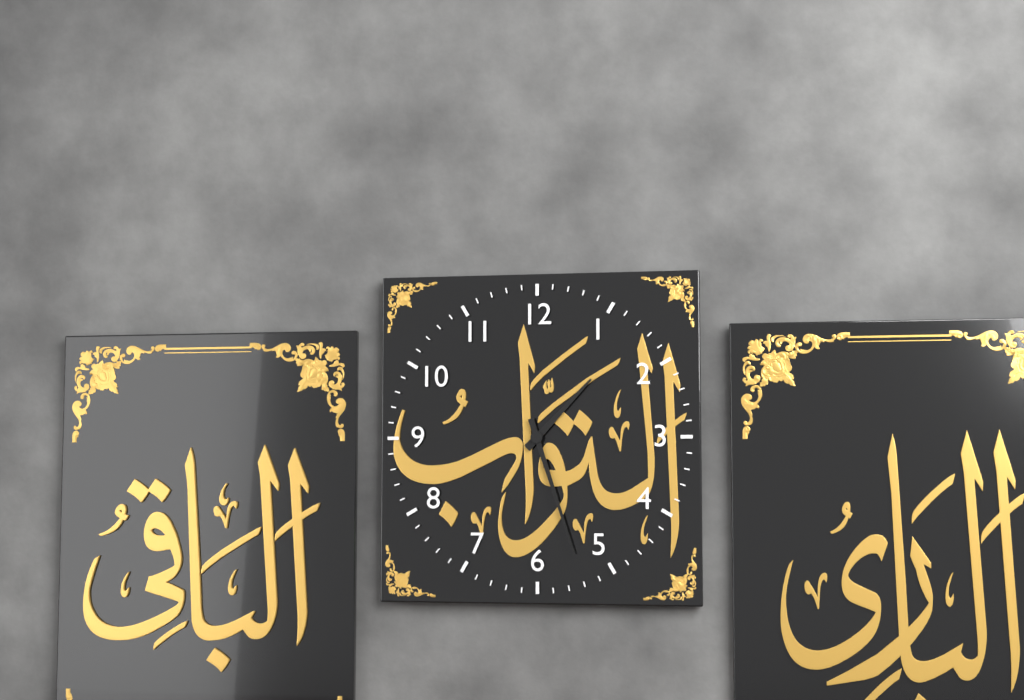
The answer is 1.27
